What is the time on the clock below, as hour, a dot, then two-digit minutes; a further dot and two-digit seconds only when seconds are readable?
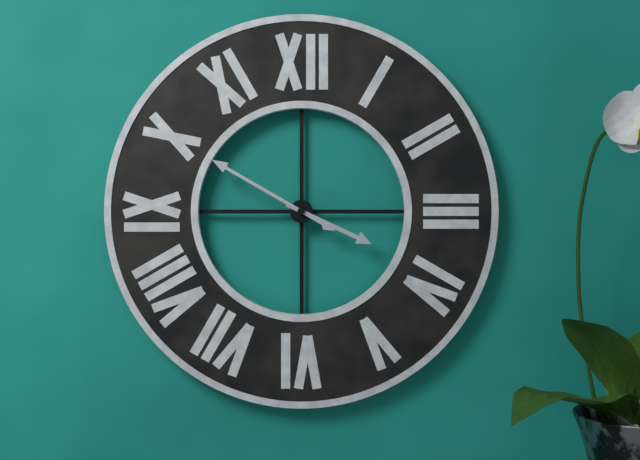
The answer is 3.50
